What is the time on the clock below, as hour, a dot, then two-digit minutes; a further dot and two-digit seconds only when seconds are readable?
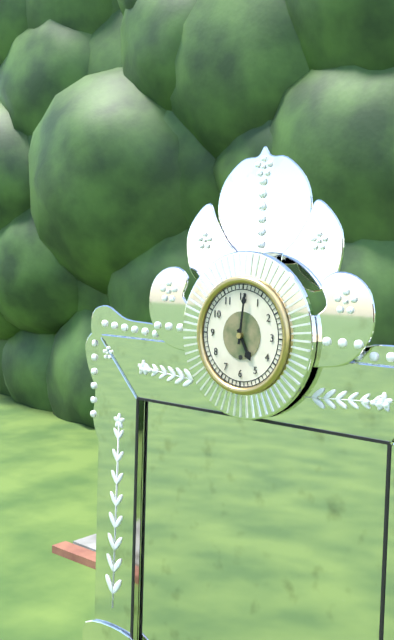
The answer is 5.01
